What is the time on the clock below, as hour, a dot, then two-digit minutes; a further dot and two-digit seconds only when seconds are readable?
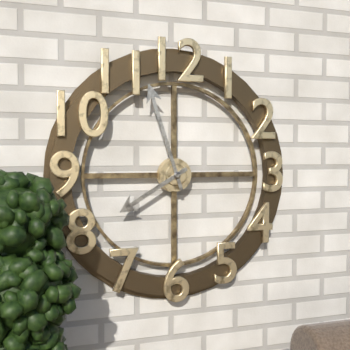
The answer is 7.57
